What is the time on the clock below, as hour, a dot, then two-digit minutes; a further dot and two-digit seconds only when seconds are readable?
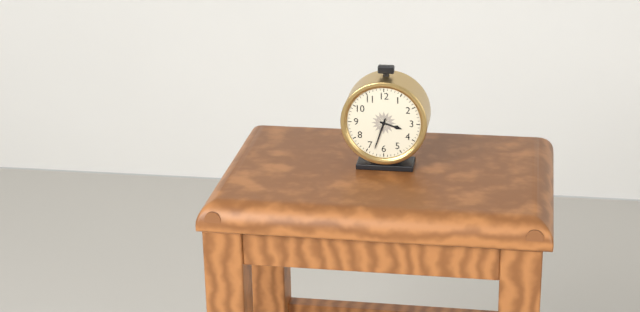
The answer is 3.33
